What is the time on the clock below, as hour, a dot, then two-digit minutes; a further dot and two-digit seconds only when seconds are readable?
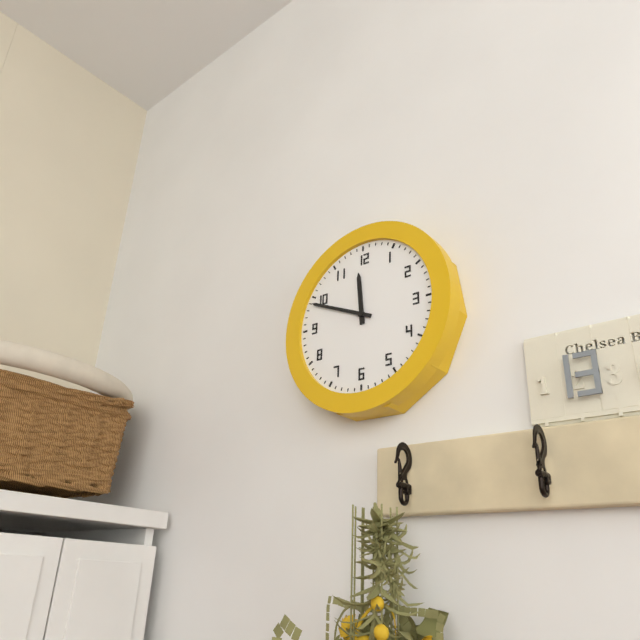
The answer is 11.49
